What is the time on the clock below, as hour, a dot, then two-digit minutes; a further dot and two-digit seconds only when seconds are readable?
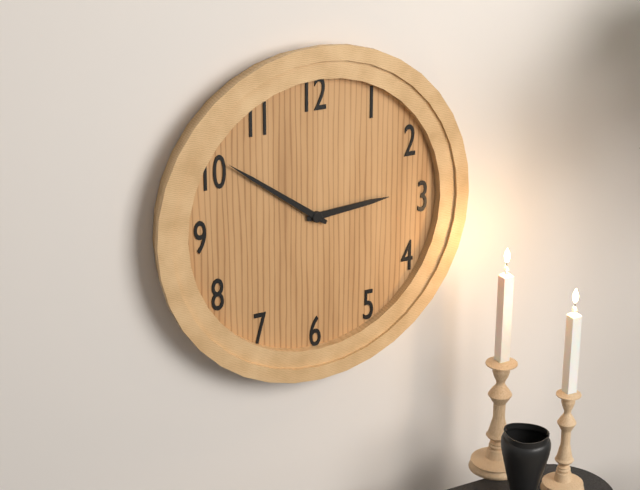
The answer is 2.51
